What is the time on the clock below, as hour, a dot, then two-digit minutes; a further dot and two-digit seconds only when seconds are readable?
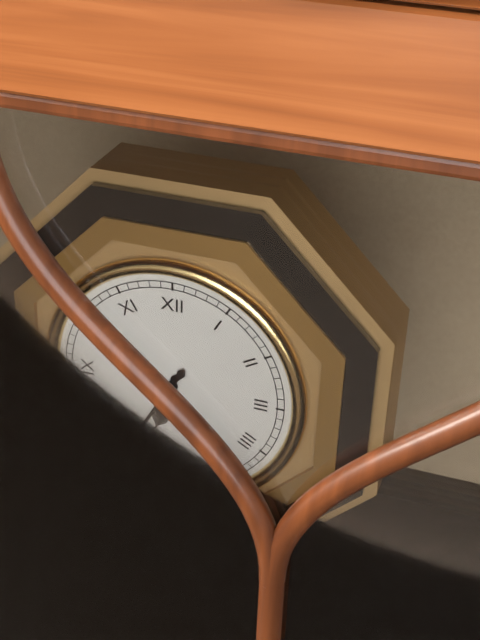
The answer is 6.35
